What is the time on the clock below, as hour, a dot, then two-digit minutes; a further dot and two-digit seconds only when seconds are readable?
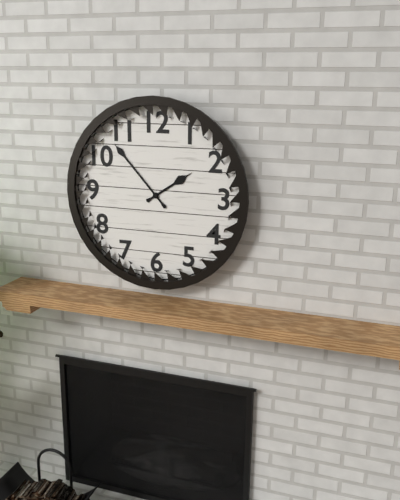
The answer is 1.53
